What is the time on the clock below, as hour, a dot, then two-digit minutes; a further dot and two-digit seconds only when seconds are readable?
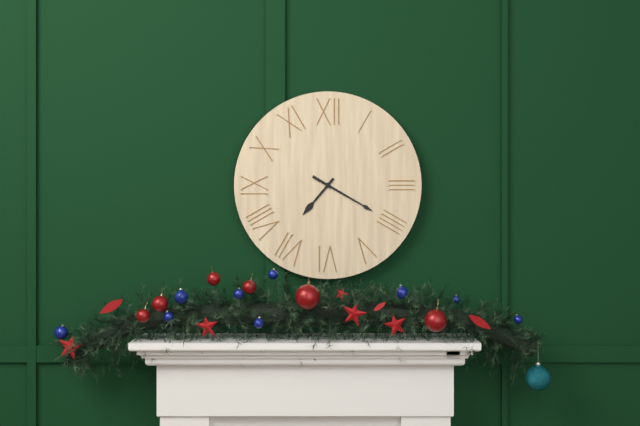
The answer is 7.20
